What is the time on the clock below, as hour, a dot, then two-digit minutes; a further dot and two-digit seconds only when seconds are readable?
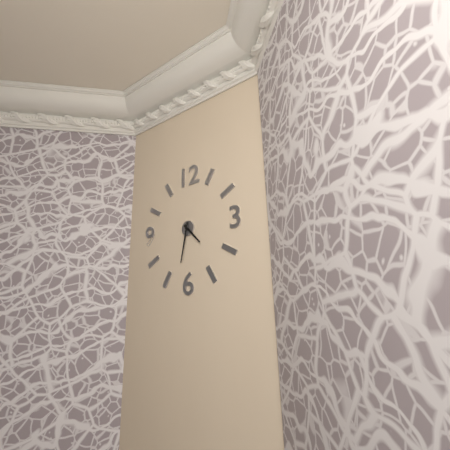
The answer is 4.32
